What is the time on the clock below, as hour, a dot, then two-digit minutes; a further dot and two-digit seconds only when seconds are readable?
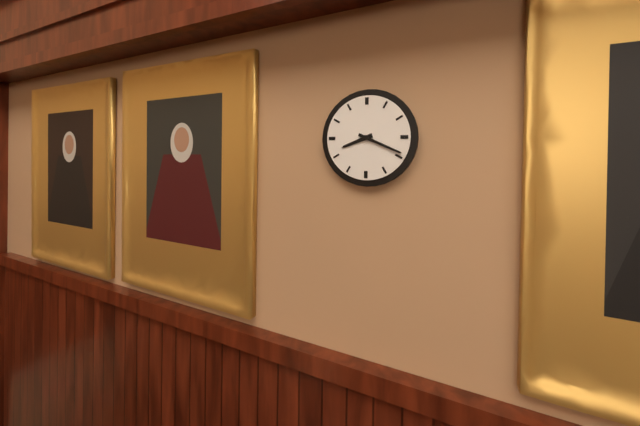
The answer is 8.19
